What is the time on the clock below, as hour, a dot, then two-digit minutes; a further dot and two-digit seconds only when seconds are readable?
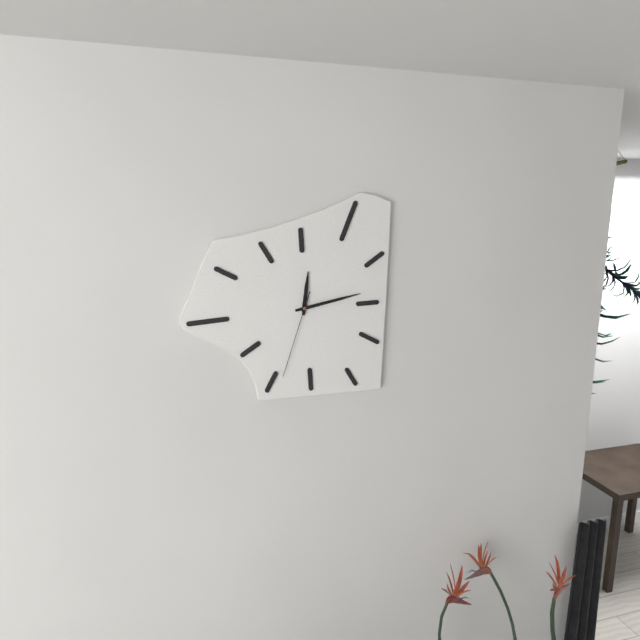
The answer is 12.13.33
